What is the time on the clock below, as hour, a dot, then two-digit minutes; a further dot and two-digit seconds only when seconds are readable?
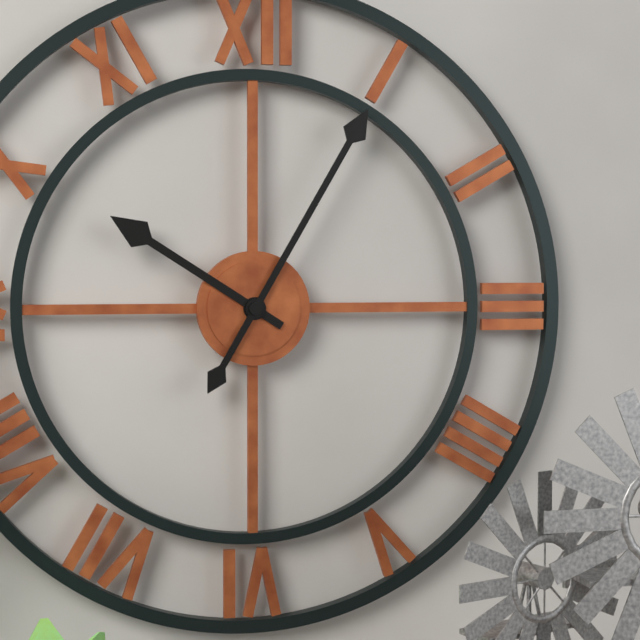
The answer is 10.05
